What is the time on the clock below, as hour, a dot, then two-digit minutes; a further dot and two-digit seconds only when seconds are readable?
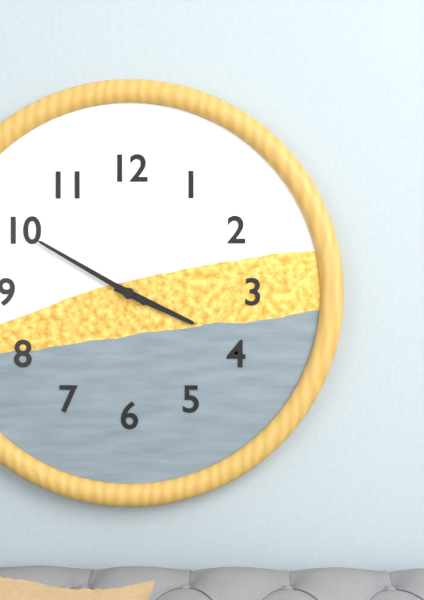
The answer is 3.50
